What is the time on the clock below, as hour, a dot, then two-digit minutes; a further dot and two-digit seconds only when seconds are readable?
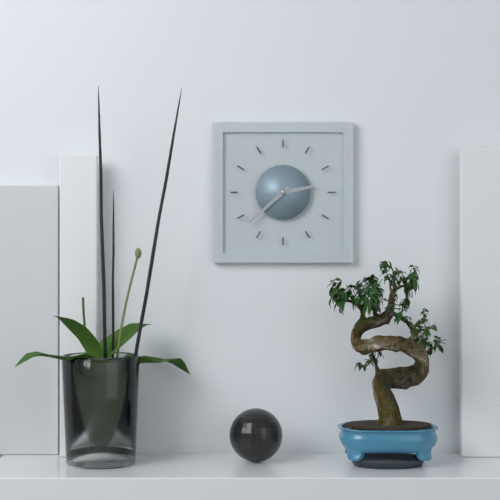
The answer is 2.38
